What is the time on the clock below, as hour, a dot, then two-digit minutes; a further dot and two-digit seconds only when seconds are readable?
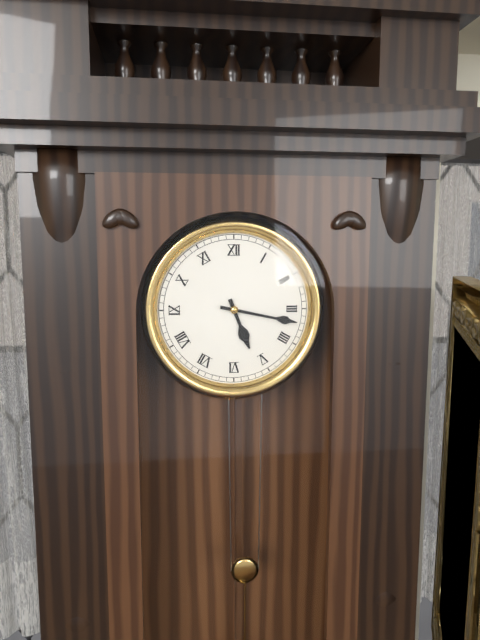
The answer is 5.17
